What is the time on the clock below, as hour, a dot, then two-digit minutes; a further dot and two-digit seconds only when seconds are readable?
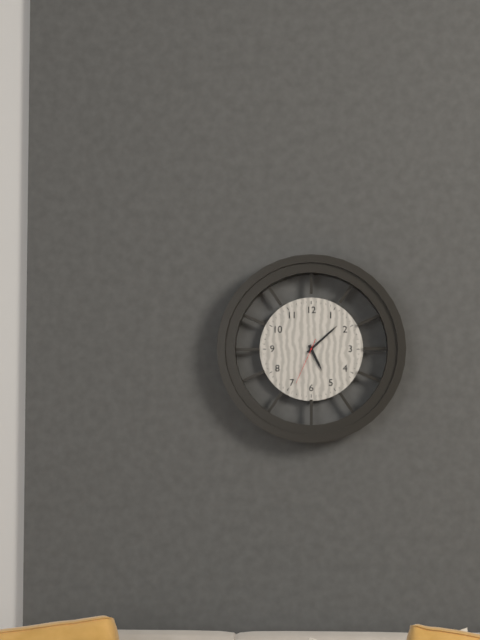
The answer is 5.08
